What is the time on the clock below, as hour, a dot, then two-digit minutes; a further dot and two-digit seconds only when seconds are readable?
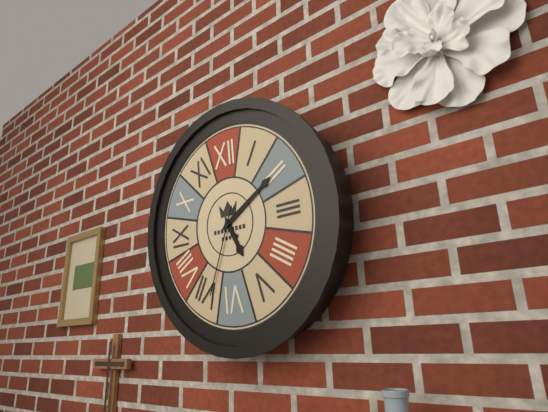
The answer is 5.10.34
